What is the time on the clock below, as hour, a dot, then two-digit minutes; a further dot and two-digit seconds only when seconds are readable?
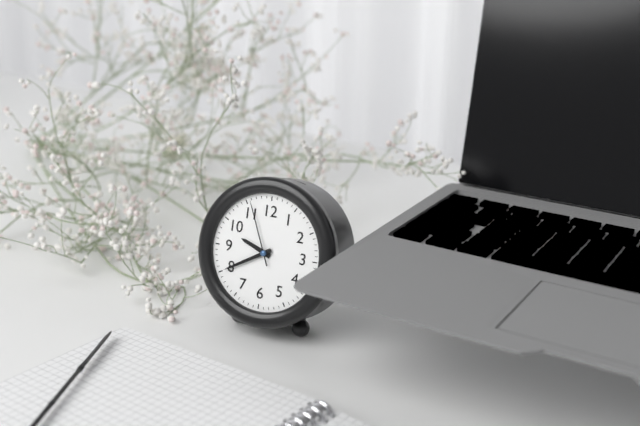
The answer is 9.40.56
